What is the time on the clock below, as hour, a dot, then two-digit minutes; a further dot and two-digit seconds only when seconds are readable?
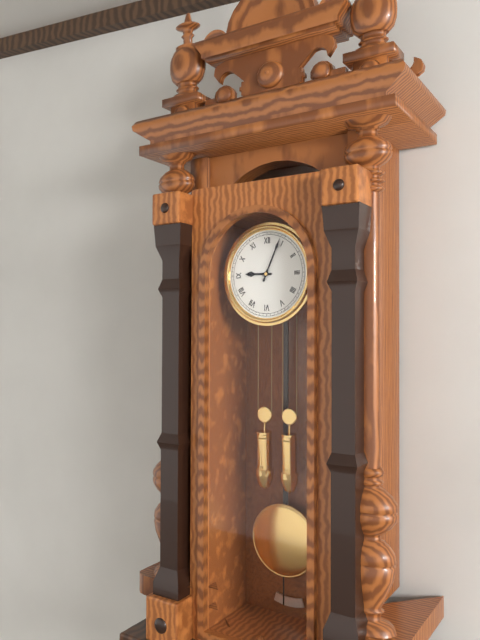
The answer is 9.04
